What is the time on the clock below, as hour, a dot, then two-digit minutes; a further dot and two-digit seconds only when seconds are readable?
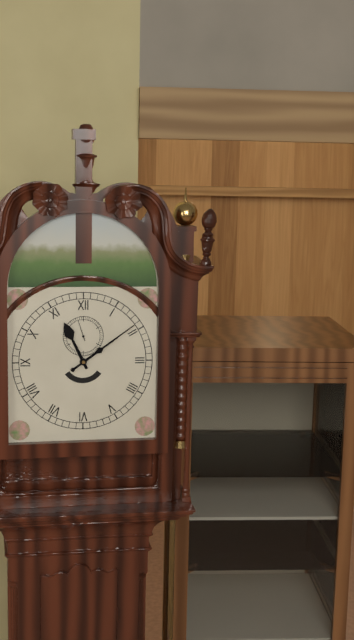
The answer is 11.09
